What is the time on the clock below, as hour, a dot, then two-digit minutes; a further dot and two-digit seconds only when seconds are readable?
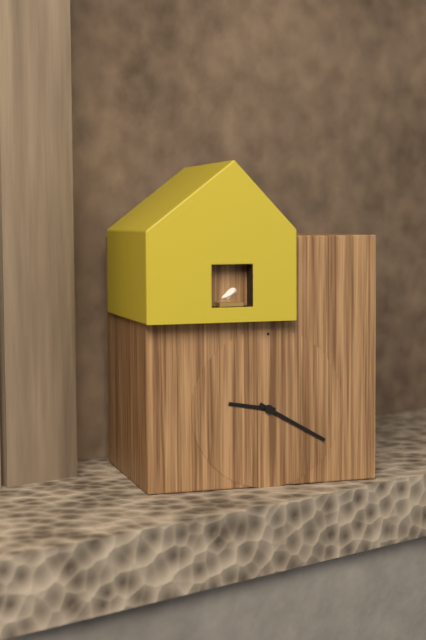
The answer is 9.20
